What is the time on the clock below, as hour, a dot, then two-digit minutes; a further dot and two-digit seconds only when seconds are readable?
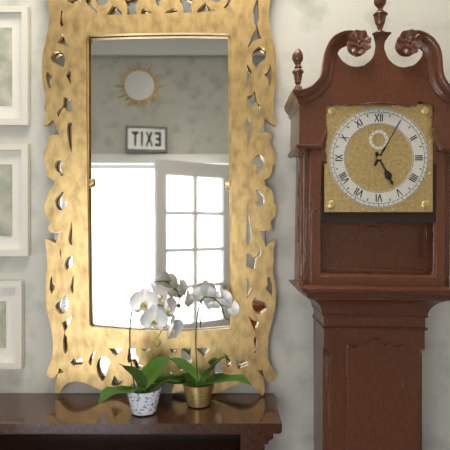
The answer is 5.05
